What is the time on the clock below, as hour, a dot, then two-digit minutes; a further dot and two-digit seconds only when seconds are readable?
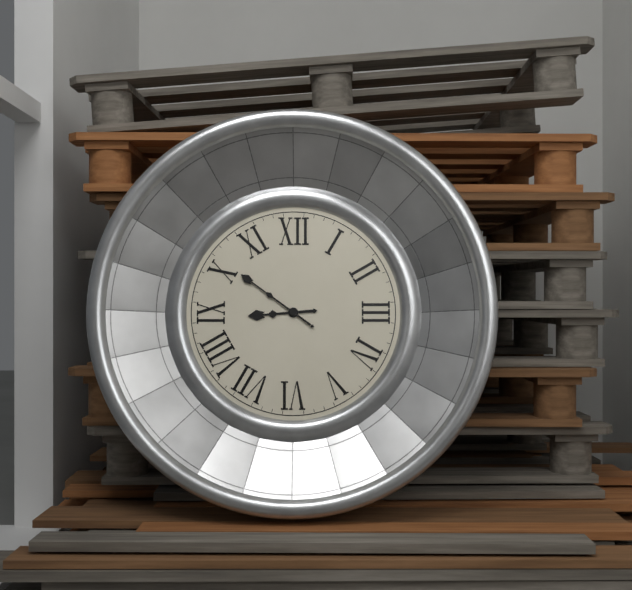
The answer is 8.51
